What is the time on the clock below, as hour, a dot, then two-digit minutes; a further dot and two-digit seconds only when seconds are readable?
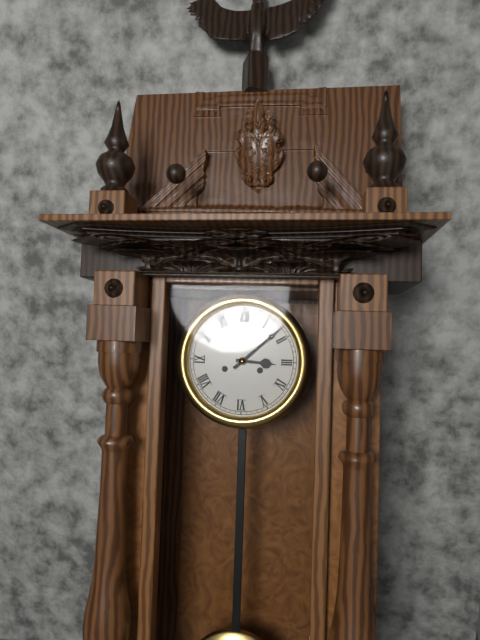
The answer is 3.08
